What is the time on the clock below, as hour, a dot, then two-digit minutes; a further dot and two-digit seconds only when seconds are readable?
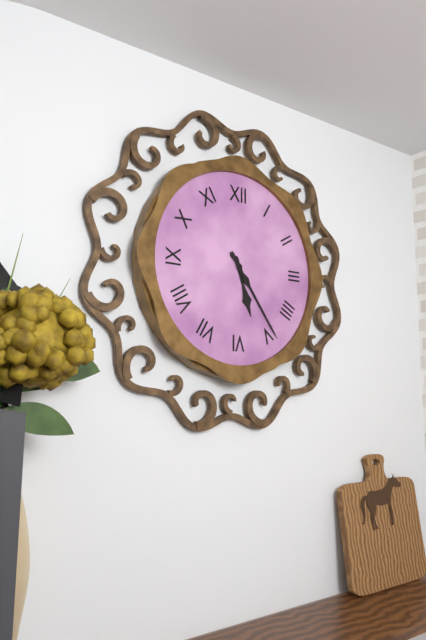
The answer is 5.24
